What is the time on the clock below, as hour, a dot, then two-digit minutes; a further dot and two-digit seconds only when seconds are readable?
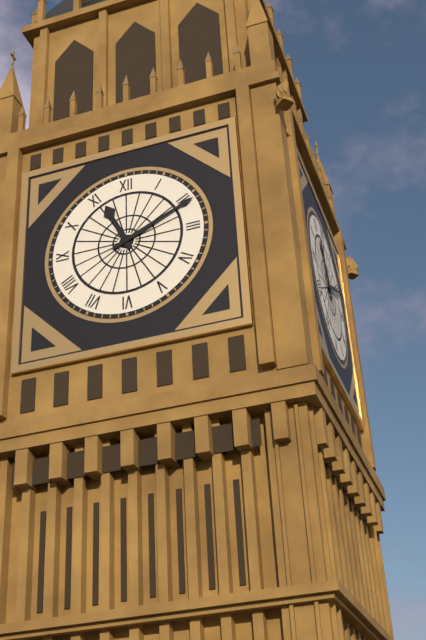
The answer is 11.11
